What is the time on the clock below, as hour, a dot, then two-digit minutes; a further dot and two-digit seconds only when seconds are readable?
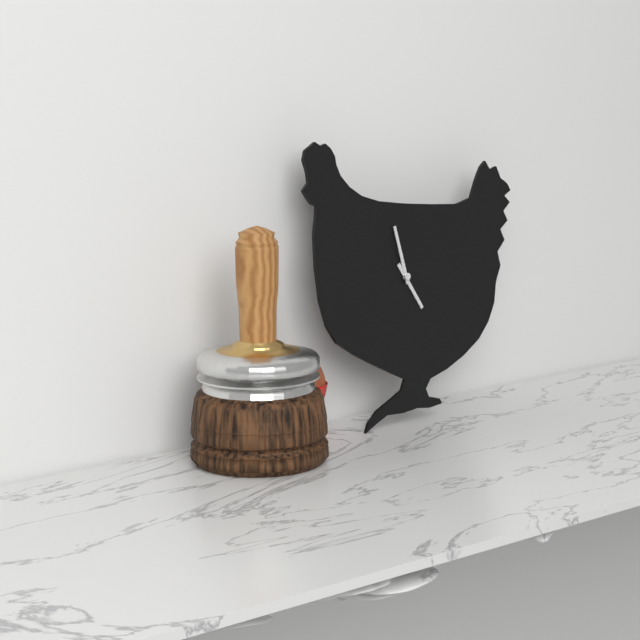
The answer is 4.58
